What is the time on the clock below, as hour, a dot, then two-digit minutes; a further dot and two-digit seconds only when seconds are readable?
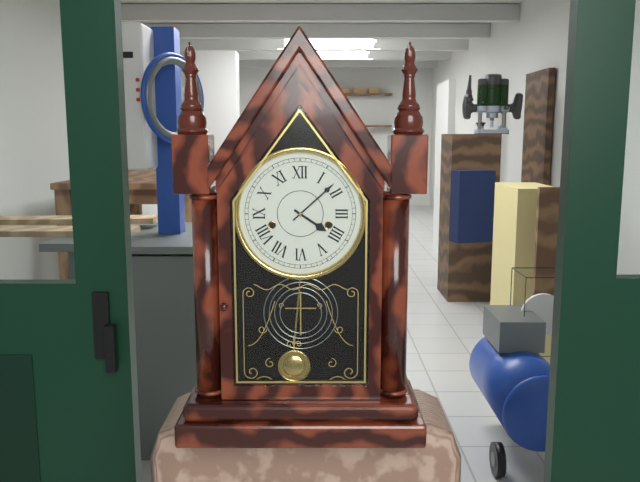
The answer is 4.08
